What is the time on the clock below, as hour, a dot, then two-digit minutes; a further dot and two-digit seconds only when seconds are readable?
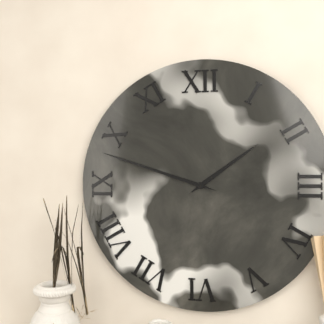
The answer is 1.48
